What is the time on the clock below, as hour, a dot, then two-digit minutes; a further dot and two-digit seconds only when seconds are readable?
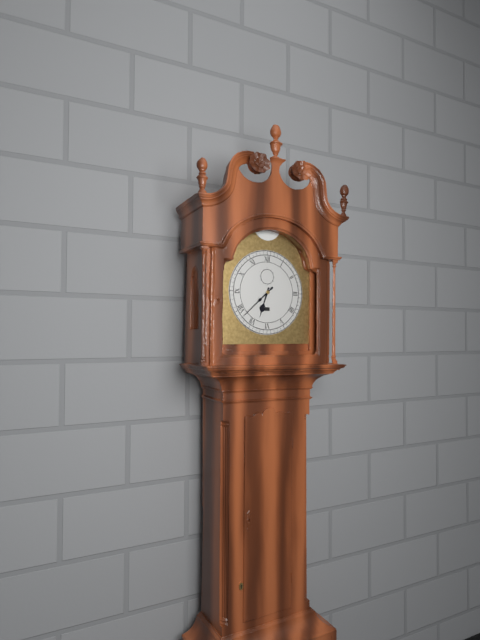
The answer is 6.38
